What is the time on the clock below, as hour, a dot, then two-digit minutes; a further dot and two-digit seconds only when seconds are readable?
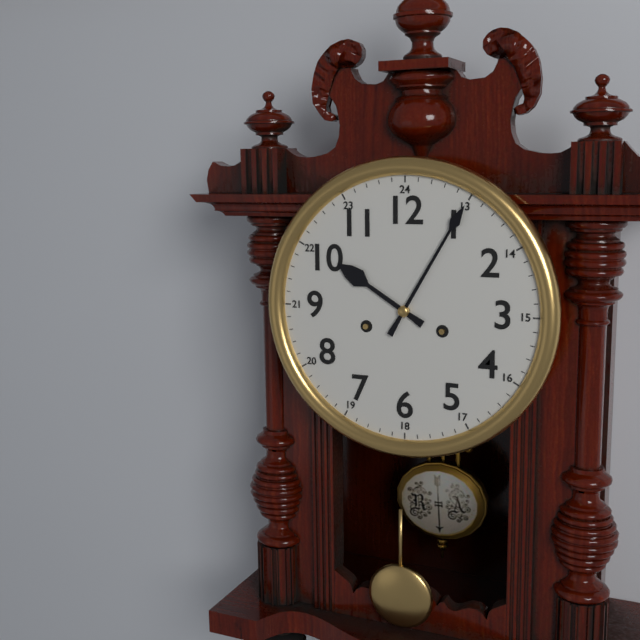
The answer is 10.05
